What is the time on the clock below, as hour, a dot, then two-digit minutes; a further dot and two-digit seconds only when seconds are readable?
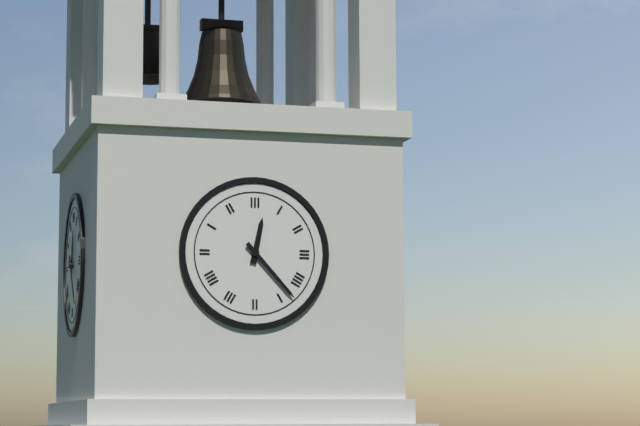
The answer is 12.23
